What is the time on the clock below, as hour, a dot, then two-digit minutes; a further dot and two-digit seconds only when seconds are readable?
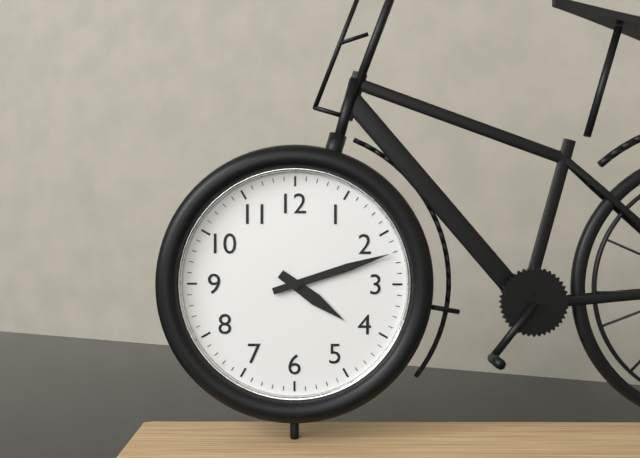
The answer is 4.12
